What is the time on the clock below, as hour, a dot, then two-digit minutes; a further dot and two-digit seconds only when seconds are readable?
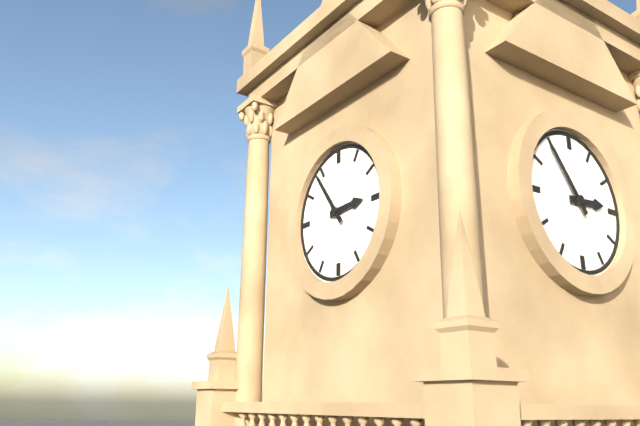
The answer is 2.54
